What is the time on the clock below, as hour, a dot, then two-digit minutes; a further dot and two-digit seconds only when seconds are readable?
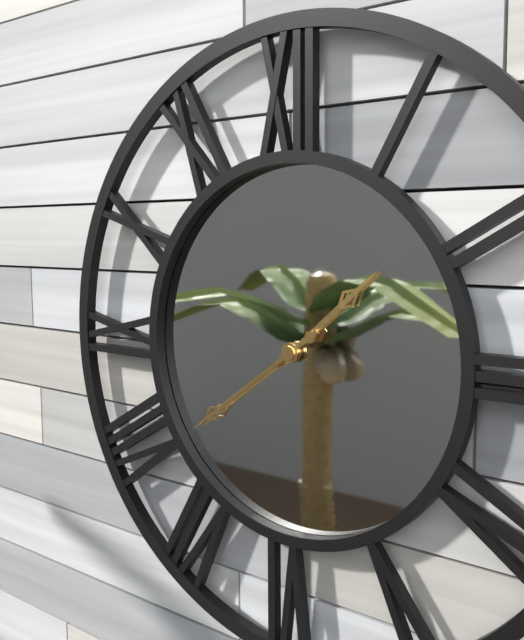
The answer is 1.39
